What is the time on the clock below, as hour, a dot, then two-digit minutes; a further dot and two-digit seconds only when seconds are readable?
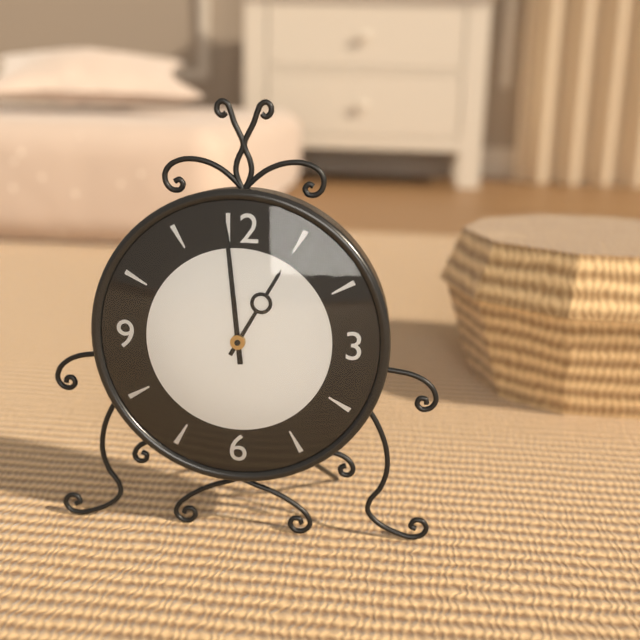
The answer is 12.59
